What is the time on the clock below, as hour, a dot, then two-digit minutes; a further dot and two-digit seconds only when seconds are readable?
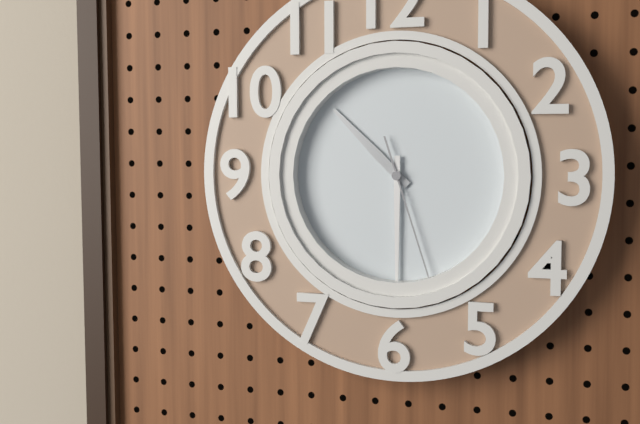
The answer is 10.30.27
